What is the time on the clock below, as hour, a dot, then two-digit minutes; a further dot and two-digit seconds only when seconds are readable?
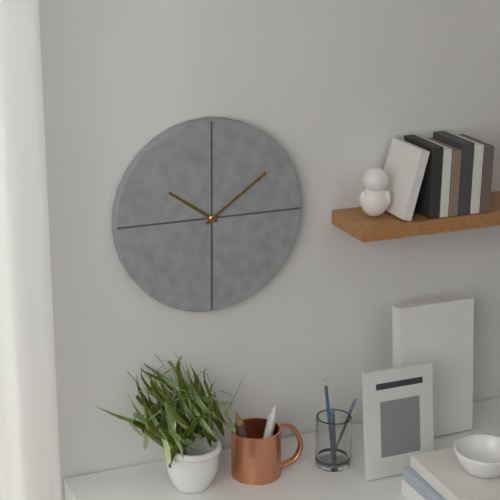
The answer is 10.09
